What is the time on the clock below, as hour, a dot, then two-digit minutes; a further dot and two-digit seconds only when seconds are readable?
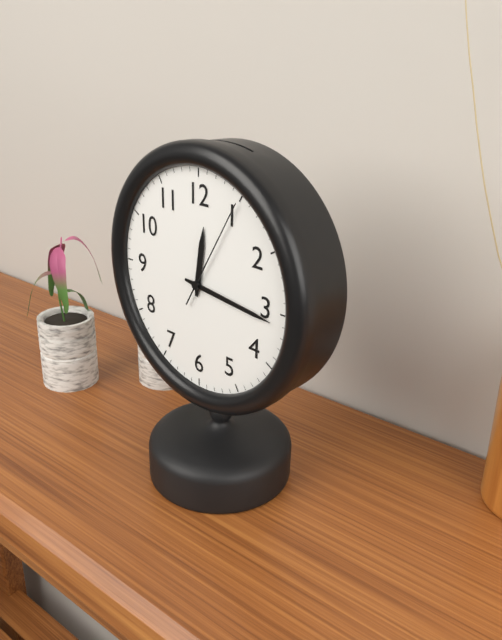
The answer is 12.16.05
